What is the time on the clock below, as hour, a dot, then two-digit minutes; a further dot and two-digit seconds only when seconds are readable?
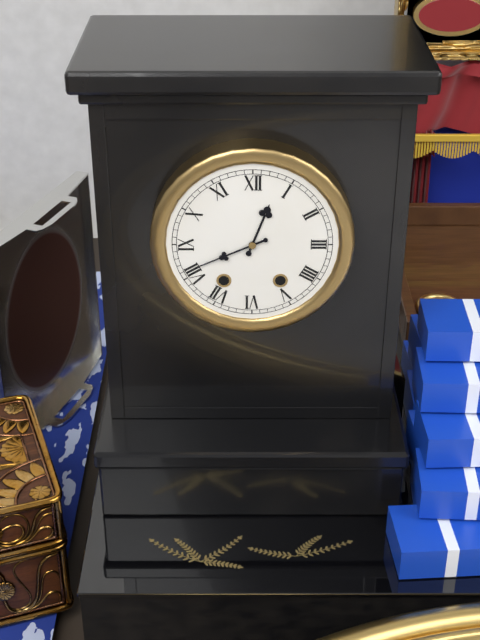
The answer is 12.41
